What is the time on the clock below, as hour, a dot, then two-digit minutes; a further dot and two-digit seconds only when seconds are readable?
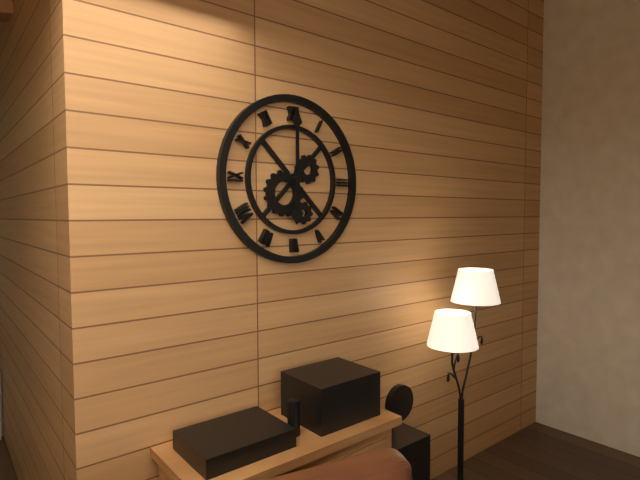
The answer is 6.00
